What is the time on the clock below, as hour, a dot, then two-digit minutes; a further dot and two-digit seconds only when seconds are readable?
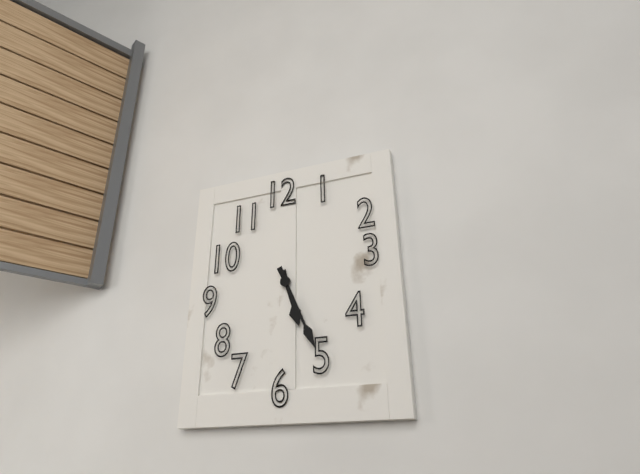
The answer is 5.26
